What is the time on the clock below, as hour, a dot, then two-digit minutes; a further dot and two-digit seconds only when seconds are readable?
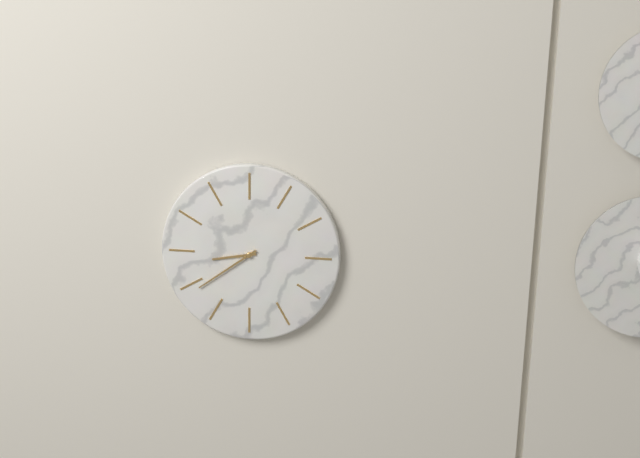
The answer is 8.39
